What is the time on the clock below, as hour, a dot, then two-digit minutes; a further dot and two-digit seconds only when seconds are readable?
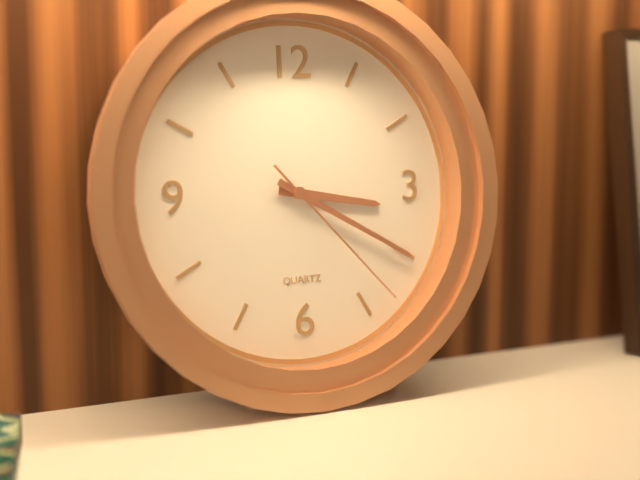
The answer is 3.20.23
